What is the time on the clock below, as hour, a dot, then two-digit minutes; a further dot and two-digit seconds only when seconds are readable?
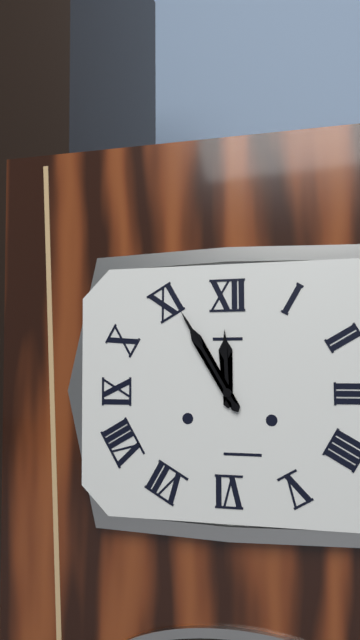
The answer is 11.55
